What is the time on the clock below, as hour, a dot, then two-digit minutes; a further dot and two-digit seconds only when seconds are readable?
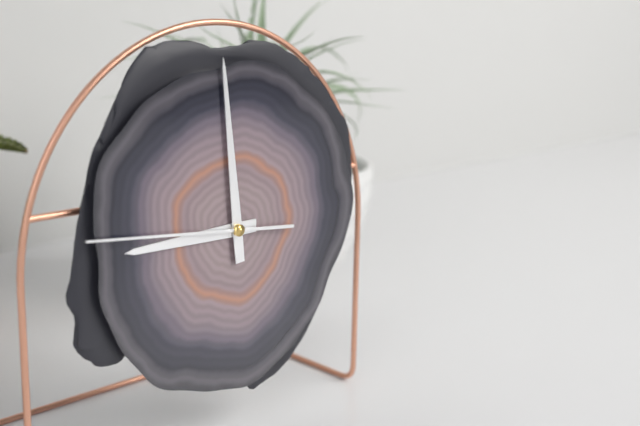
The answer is 8.59.46
